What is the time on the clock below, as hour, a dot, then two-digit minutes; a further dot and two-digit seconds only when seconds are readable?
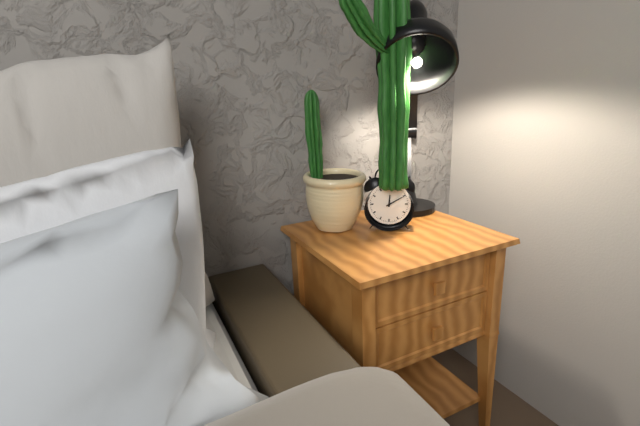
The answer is 12.10
